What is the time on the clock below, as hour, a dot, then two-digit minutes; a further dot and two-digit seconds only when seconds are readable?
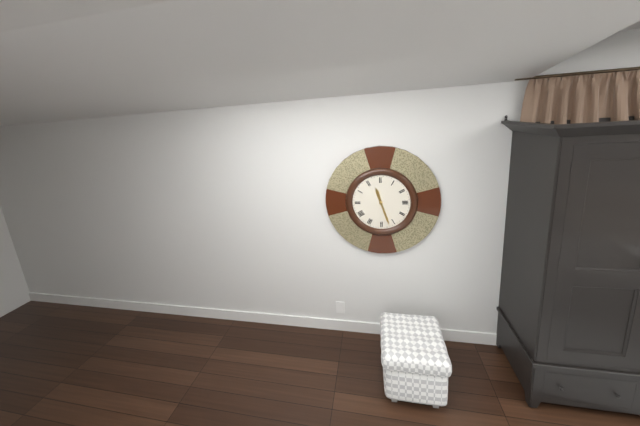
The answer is 11.27
